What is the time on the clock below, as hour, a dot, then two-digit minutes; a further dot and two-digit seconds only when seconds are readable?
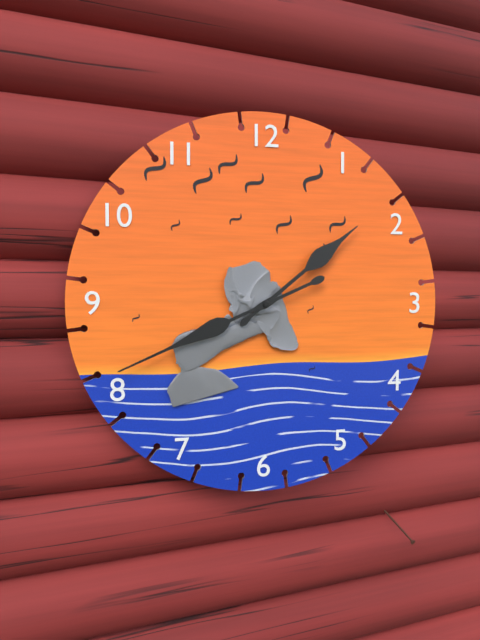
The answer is 1.41
